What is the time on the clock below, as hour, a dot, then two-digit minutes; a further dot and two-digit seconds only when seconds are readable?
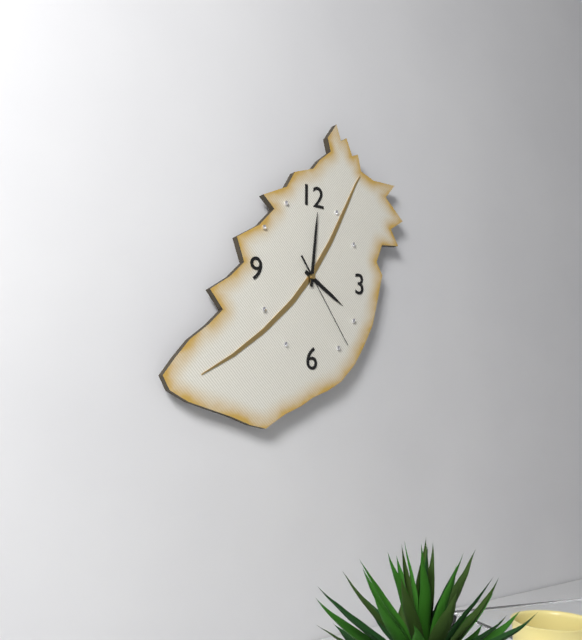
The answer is 4.01.24
